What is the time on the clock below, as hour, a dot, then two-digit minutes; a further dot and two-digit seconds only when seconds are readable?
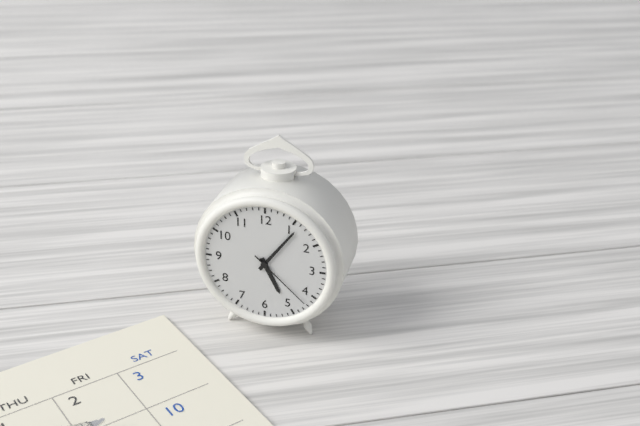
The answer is 5.06.22
